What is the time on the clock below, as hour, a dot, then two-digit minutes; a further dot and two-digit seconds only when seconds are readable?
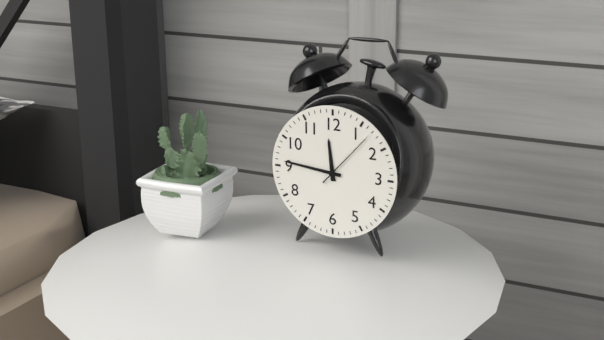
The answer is 11.46.07
